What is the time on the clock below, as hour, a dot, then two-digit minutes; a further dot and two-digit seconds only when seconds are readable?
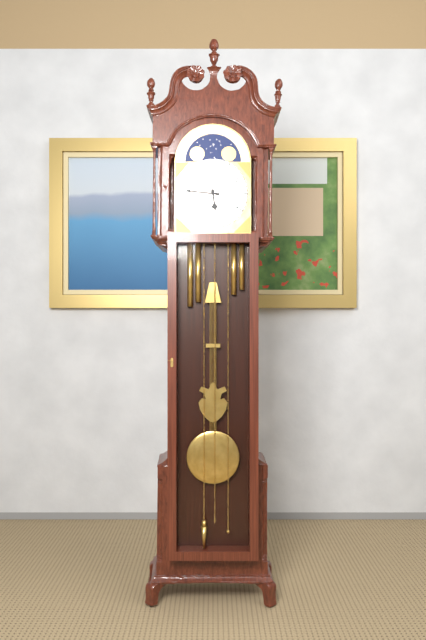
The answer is 5.46
